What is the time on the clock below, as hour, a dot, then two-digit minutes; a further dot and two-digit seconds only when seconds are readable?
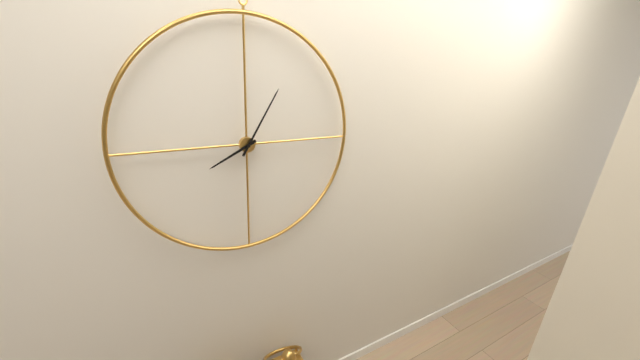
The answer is 8.05
